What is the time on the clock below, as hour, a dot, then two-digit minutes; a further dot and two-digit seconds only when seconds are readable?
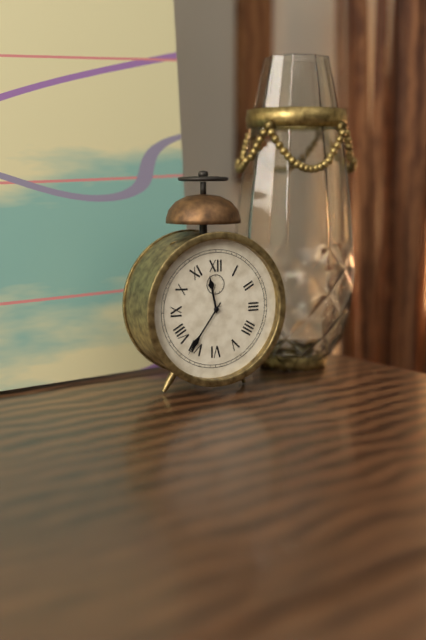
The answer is 11.36
